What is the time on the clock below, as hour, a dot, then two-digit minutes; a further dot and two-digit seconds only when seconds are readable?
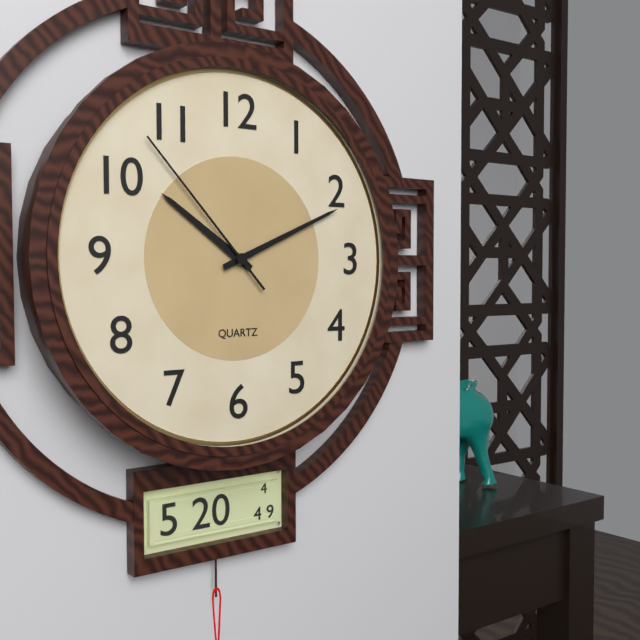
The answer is 10.11.53
